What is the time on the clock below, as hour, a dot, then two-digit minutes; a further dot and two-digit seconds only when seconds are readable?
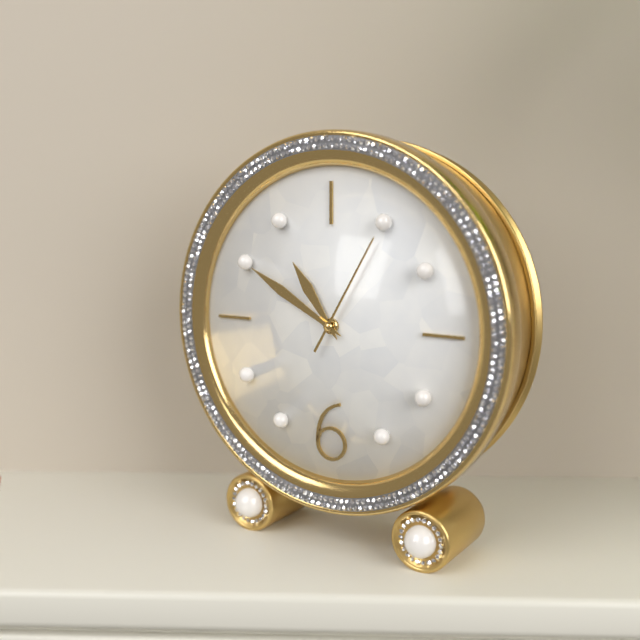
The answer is 10.50.05
